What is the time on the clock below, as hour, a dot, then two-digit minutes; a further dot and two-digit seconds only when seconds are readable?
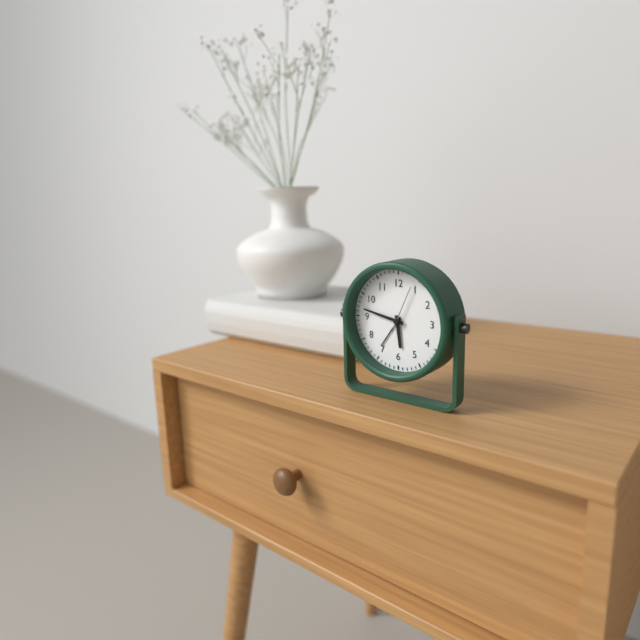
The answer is 5.47
